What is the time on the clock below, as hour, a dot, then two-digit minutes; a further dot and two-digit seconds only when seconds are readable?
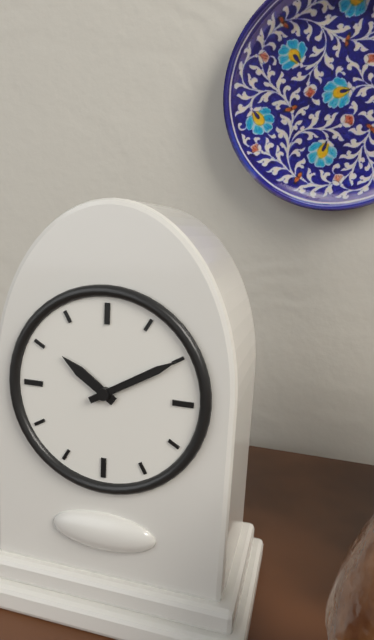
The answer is 10.10
